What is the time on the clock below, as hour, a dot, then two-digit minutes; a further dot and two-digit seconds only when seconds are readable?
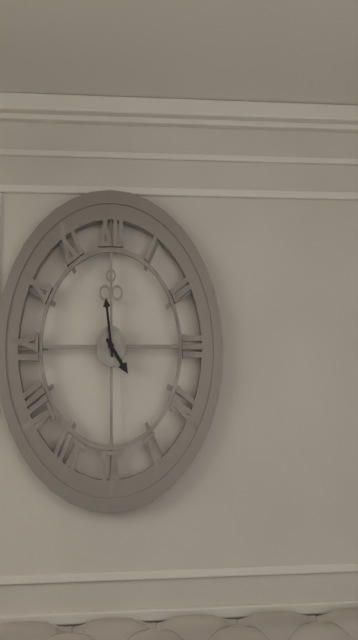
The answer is 4.59
